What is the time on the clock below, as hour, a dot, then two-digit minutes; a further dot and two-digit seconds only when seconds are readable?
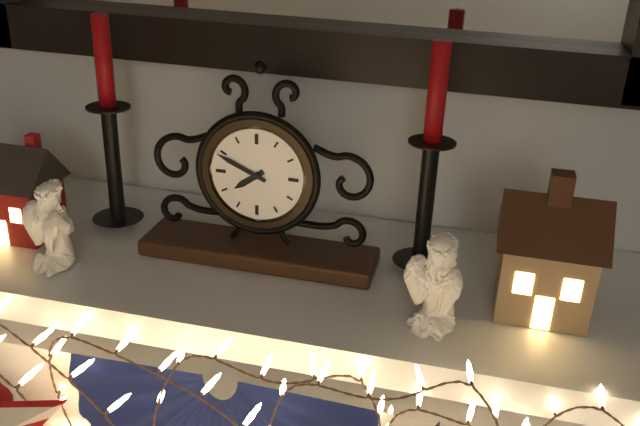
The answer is 7.49
